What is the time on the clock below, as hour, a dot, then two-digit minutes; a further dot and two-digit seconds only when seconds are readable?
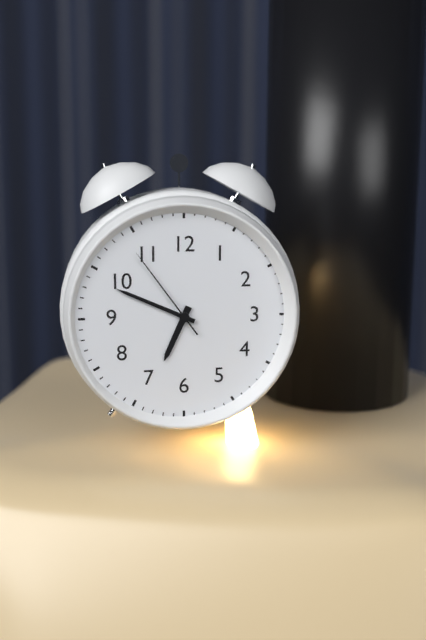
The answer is 6.49.54
